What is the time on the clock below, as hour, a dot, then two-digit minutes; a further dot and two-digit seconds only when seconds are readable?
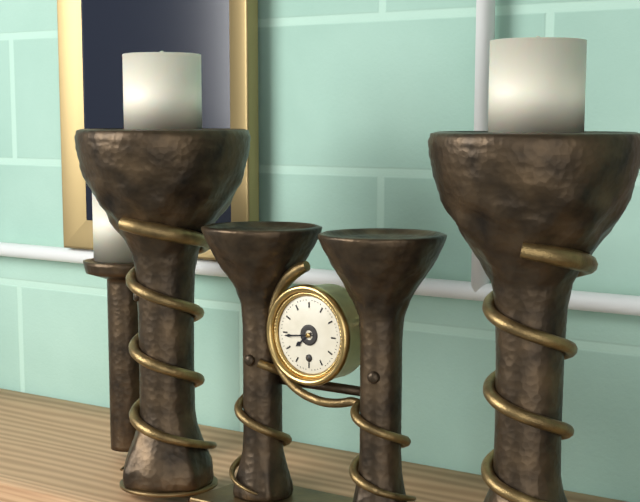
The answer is 7.44
